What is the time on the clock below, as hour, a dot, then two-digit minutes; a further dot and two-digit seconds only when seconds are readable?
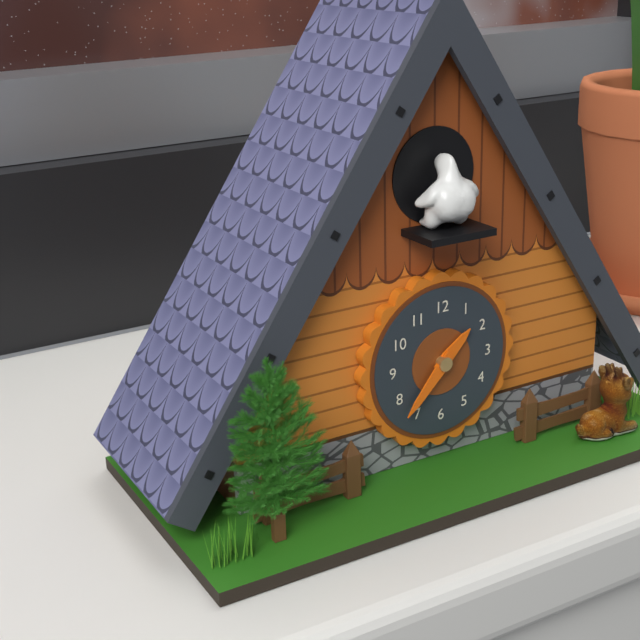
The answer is 1.37
